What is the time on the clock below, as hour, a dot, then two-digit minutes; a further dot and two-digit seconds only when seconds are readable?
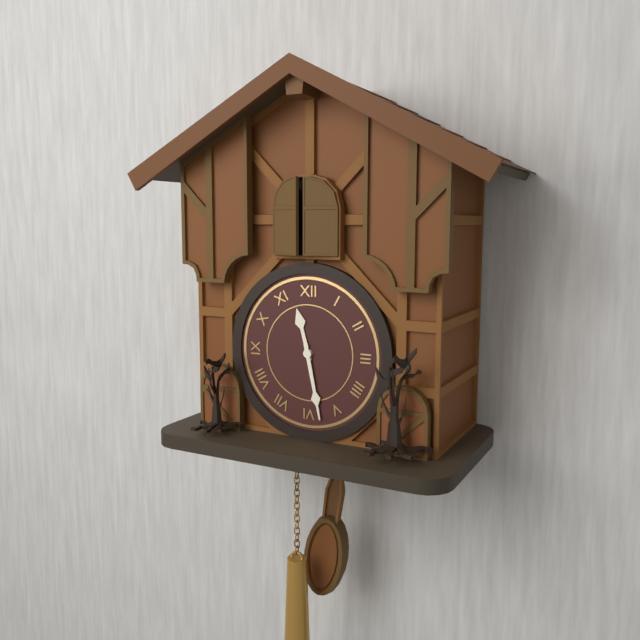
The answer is 11.28
